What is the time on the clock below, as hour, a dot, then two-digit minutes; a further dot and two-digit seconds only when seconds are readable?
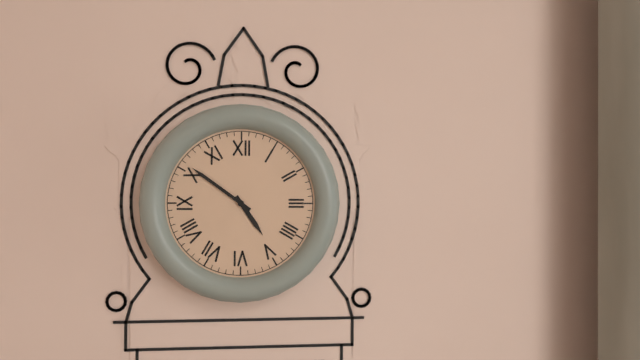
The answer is 4.51
